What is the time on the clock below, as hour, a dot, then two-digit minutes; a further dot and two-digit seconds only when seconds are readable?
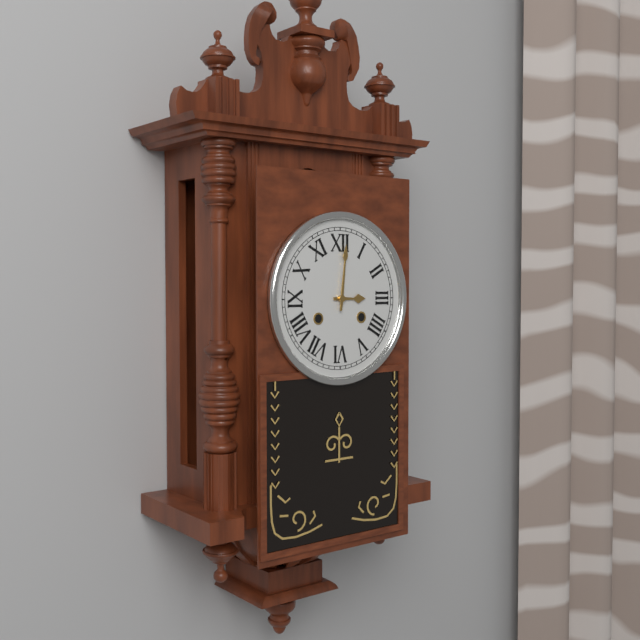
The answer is 3.01
